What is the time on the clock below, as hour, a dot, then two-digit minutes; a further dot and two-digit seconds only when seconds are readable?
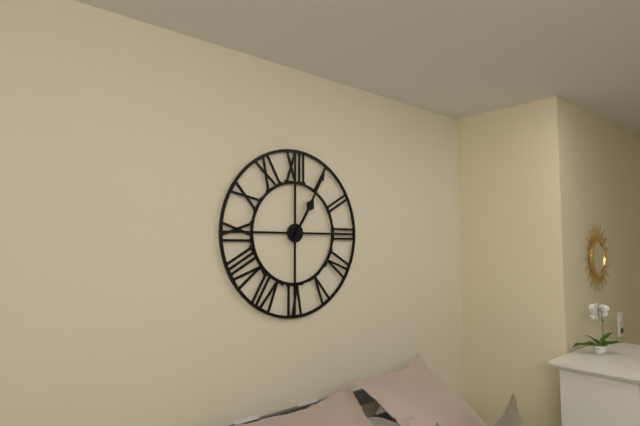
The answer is 1.05
